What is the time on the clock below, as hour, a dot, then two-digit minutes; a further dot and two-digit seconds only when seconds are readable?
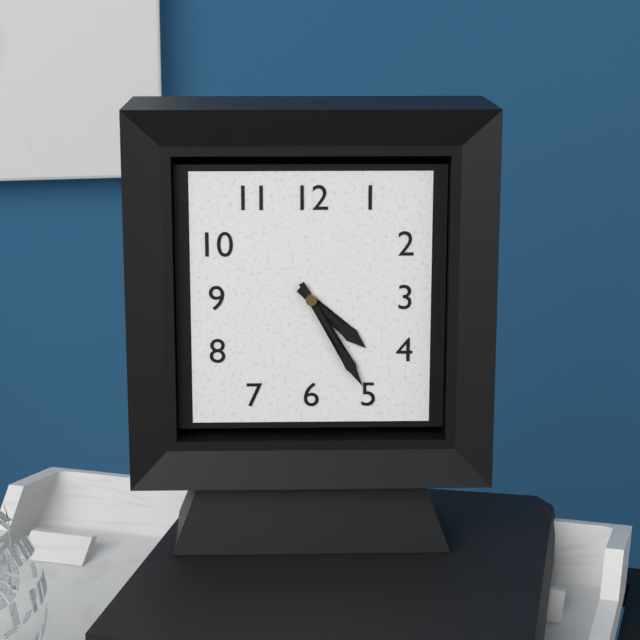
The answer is 4.25
